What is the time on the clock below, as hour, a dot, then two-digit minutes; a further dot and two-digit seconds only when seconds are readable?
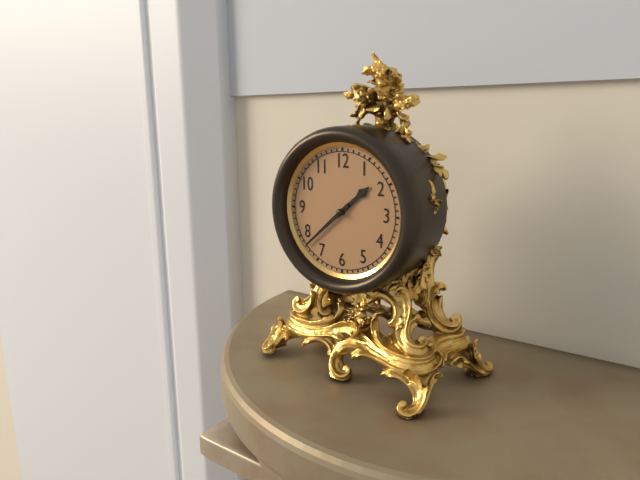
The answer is 1.38
